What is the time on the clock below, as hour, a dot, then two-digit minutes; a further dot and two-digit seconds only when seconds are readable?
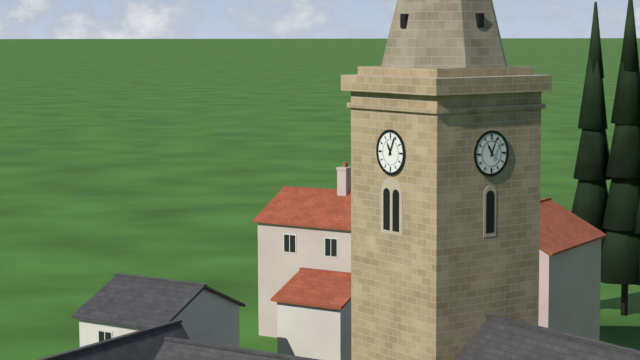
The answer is 11.04
